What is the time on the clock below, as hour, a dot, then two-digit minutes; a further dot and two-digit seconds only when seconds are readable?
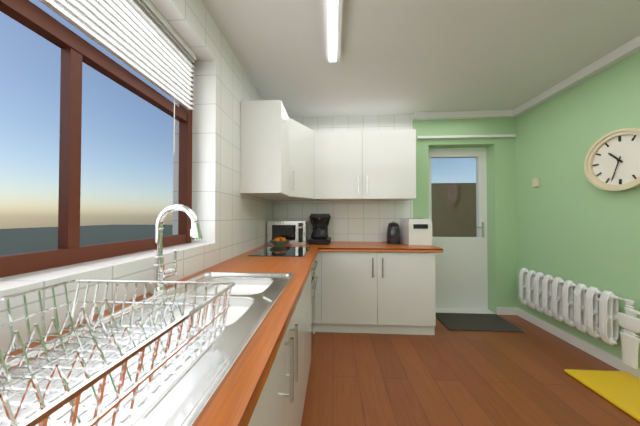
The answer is 10.33
